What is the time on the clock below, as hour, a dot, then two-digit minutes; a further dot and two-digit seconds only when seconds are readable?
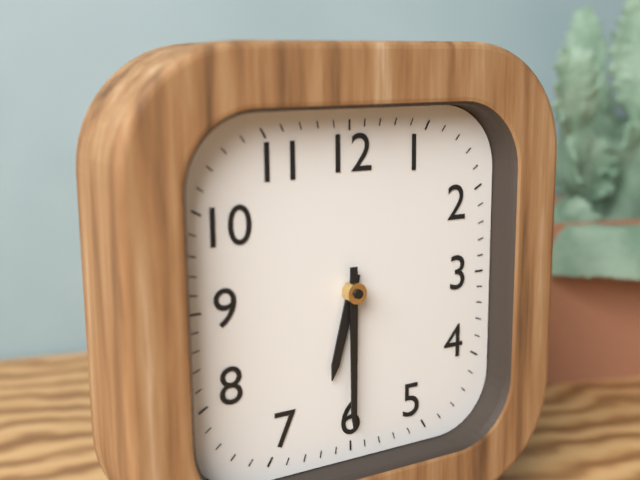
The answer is 6.30
